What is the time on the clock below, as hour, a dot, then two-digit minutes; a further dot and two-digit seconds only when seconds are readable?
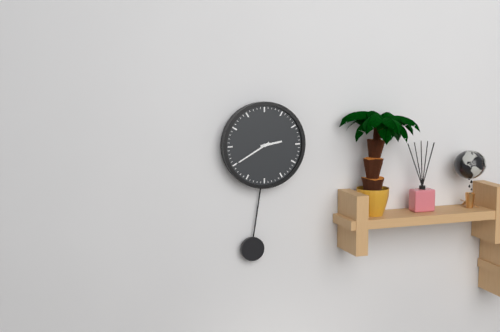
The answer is 2.40
